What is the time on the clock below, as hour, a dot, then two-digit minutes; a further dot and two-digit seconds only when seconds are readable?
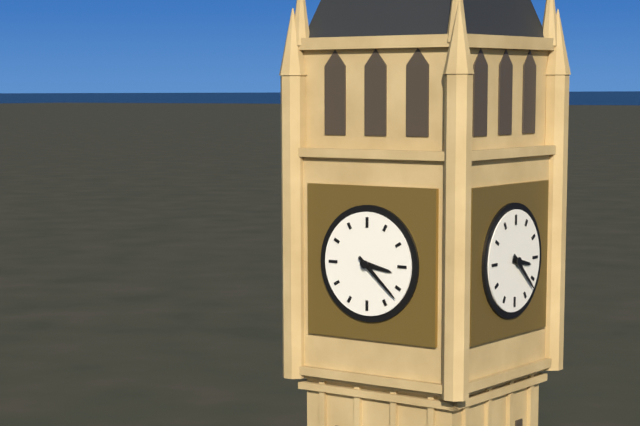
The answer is 3.22
